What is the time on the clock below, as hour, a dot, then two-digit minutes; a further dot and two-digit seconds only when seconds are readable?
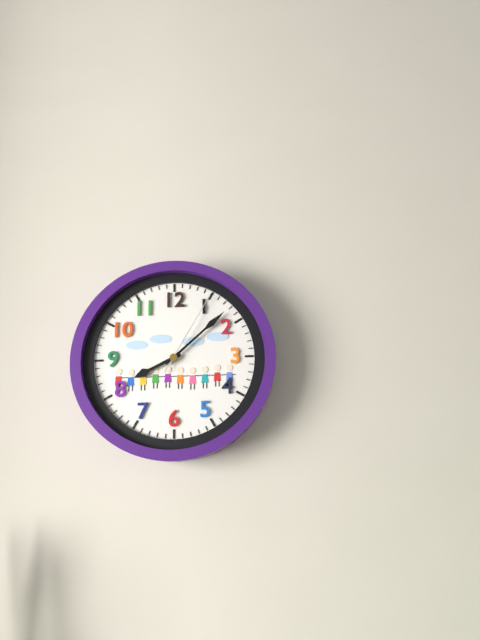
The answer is 8.08.05
